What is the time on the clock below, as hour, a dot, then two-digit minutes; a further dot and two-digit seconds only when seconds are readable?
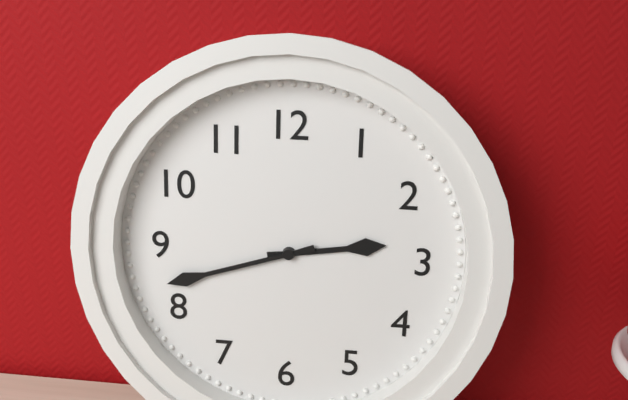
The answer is 2.42
